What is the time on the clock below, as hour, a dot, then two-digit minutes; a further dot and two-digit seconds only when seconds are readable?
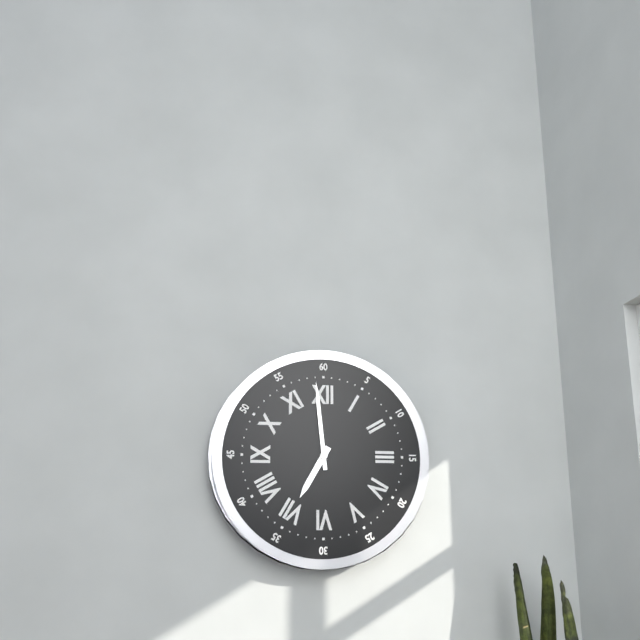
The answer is 6.59
